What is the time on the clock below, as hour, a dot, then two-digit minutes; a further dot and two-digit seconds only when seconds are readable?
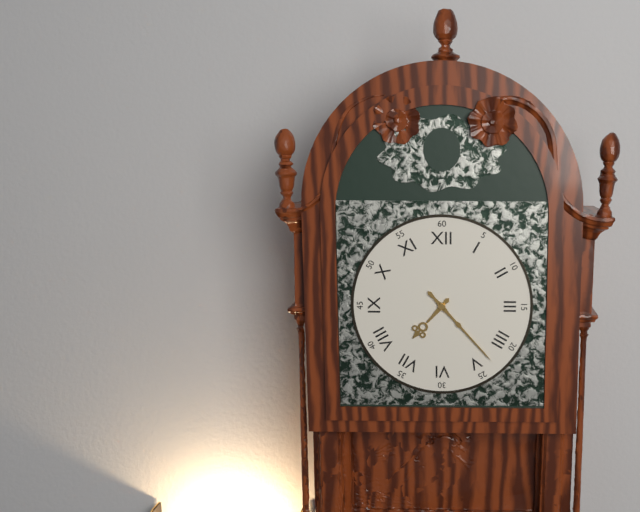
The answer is 7.23
